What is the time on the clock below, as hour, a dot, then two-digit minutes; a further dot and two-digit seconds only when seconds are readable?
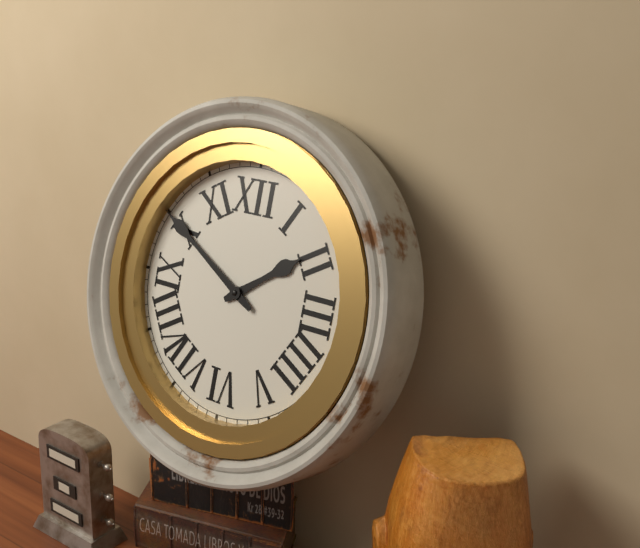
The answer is 1.50
